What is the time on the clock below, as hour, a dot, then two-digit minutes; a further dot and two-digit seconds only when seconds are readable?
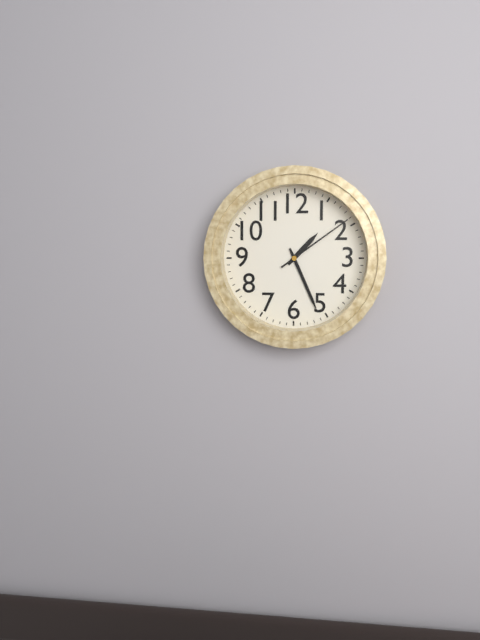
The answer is 1.26.09
